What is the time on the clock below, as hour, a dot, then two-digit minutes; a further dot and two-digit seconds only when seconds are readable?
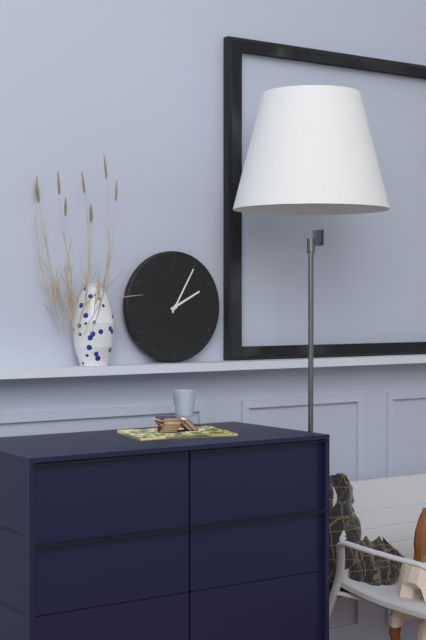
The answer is 2.05
